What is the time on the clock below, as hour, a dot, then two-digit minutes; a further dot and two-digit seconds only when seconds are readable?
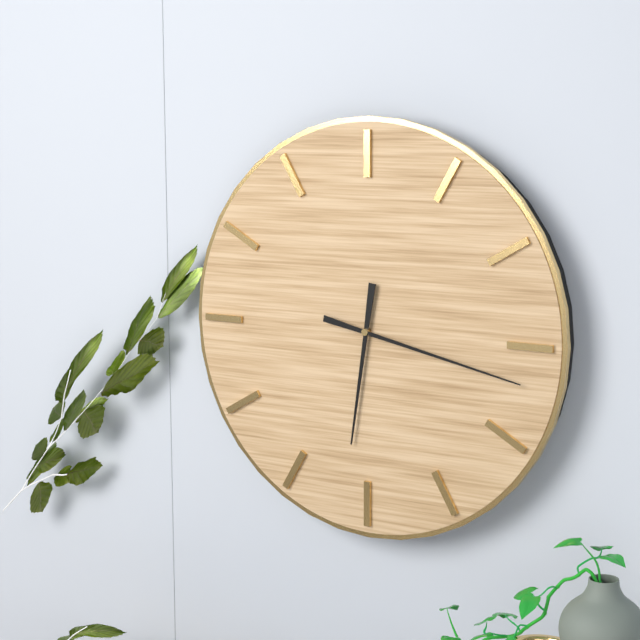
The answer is 6.17
